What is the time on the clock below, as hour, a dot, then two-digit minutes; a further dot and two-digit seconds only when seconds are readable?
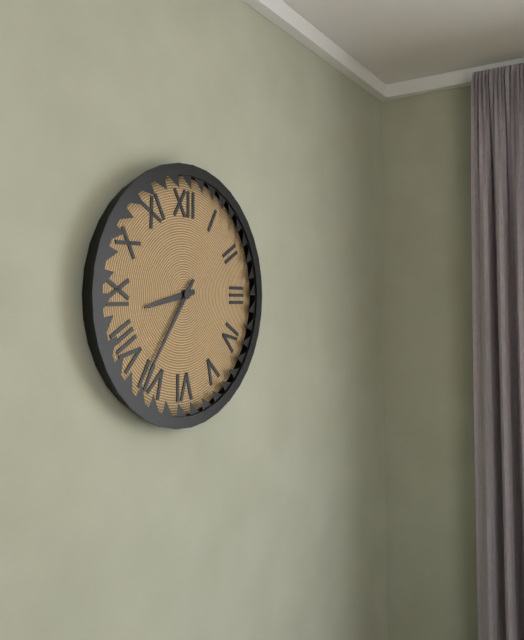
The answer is 8.36
